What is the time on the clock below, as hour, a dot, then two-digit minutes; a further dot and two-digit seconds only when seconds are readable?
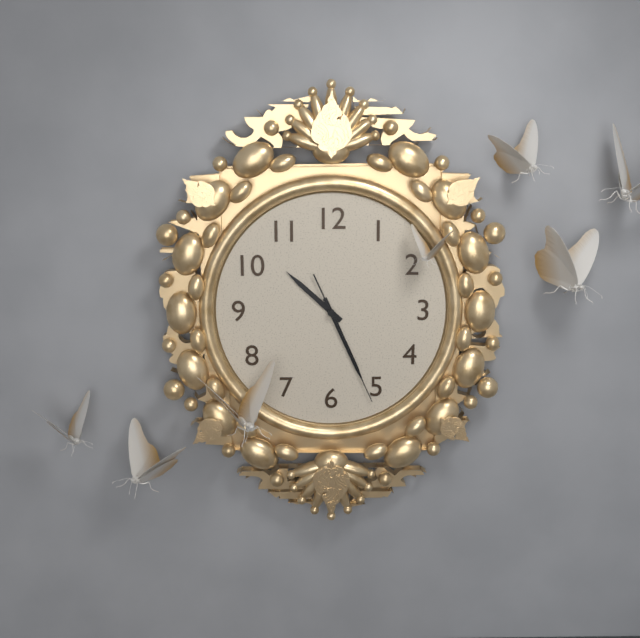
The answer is 10.26.26
